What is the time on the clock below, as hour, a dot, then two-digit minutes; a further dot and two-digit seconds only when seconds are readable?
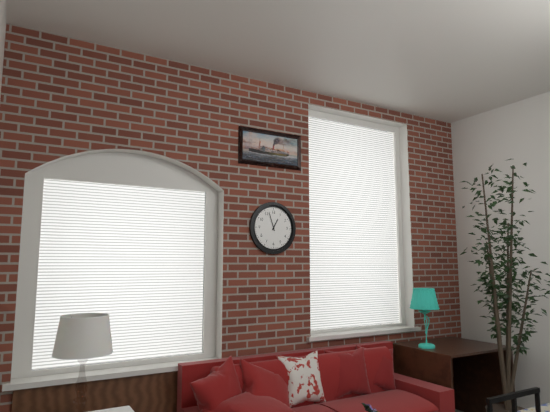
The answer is 12.57
